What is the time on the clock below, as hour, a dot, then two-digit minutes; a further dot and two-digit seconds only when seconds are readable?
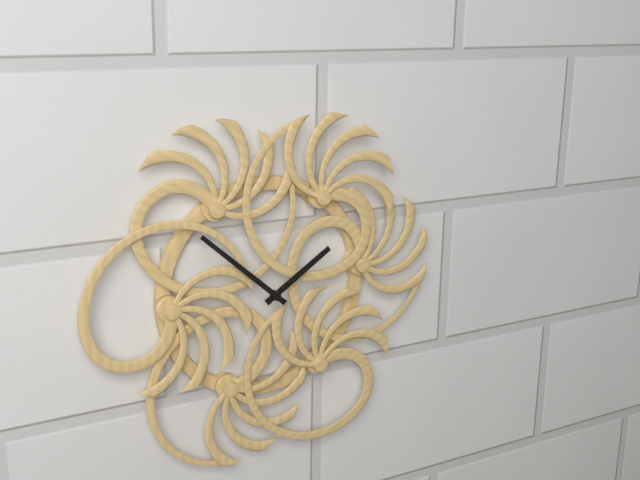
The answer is 1.52
